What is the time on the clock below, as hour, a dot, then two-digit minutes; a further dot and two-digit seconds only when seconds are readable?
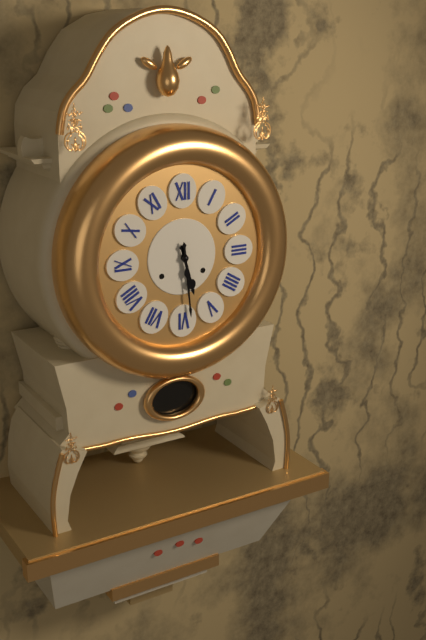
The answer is 5.29
